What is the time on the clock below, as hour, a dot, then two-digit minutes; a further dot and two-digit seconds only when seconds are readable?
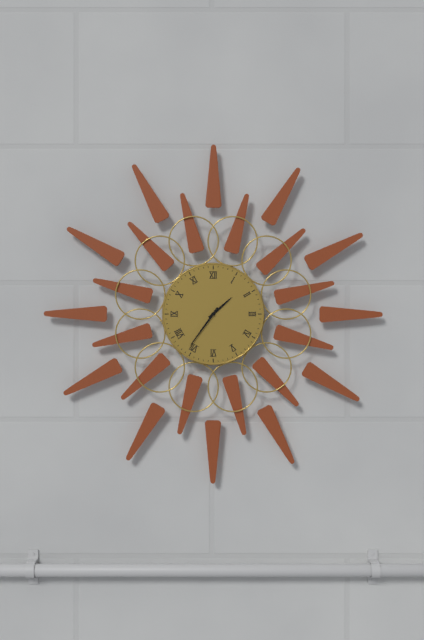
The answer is 1.36
